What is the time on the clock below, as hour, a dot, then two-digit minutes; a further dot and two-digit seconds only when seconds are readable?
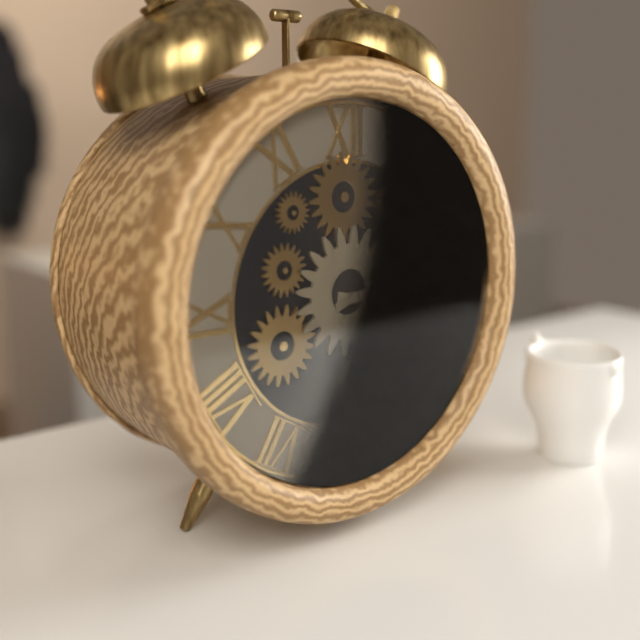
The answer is 3.12
